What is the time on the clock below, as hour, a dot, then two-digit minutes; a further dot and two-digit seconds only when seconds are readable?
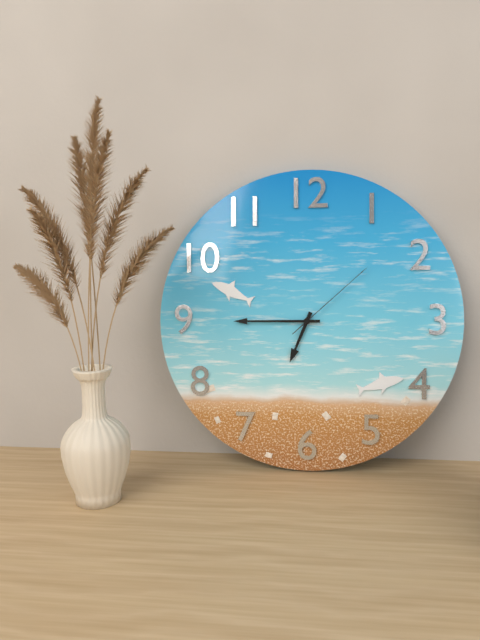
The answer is 6.45.08
